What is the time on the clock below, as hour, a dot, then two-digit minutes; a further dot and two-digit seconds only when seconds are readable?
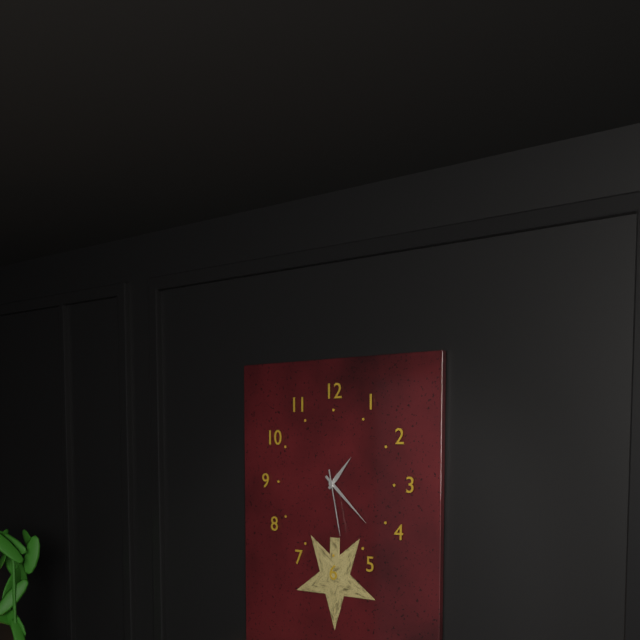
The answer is 1.22.28
